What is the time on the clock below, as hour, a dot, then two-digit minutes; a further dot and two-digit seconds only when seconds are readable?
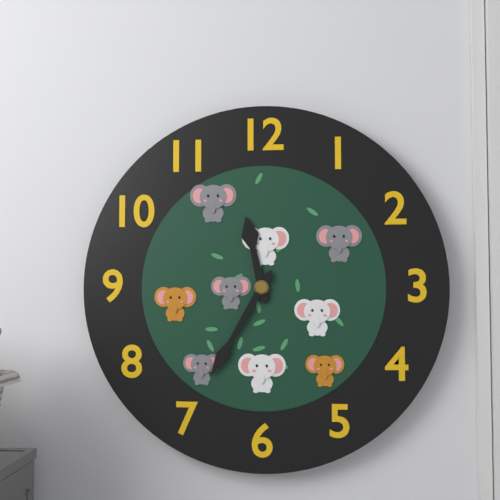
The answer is 11.35
